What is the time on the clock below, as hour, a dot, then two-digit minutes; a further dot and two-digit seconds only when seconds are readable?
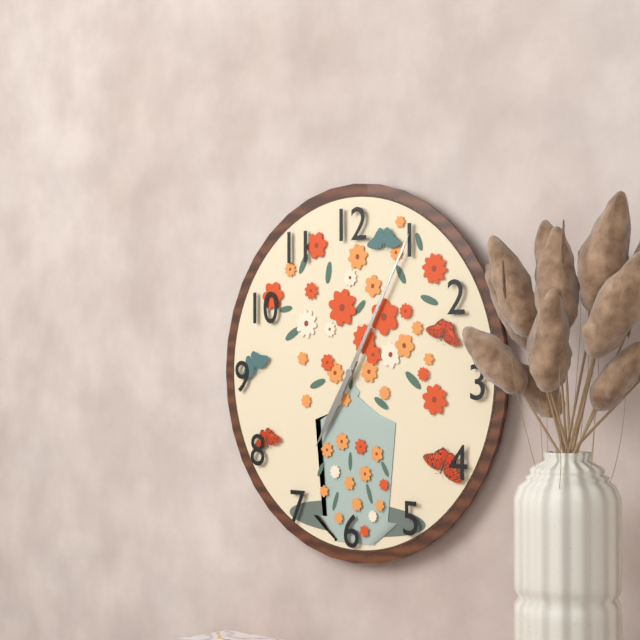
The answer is 7.05
